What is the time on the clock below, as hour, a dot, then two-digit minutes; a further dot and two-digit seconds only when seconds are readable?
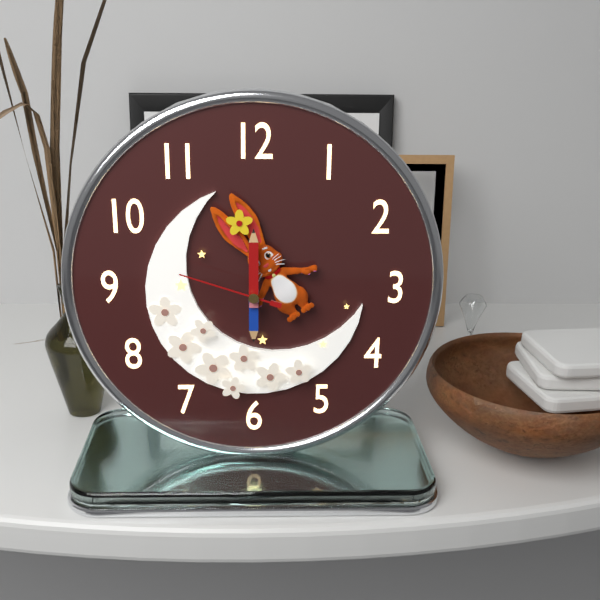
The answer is 6.00.48
